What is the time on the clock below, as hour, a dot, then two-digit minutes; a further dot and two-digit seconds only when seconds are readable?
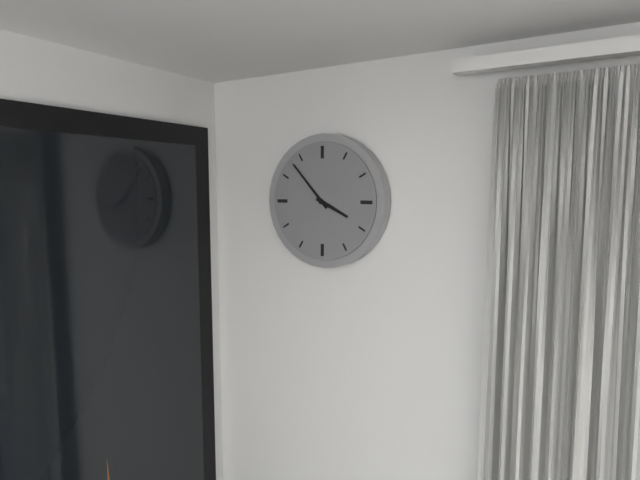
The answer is 3.53
